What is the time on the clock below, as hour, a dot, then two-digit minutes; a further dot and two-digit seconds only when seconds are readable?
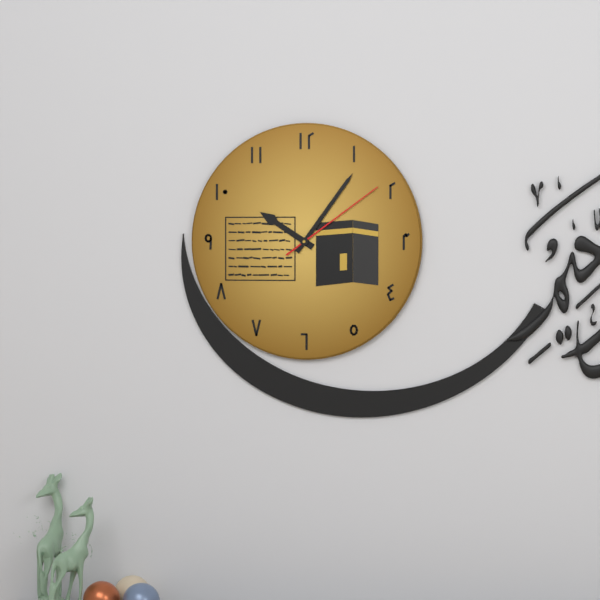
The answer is 10.06.09
